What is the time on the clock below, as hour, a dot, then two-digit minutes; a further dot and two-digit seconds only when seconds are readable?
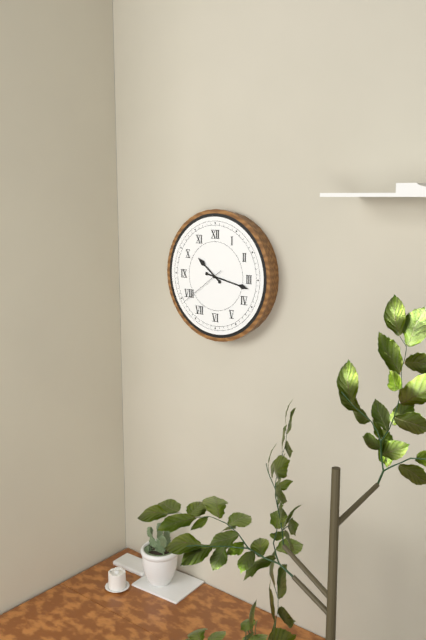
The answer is 10.17
